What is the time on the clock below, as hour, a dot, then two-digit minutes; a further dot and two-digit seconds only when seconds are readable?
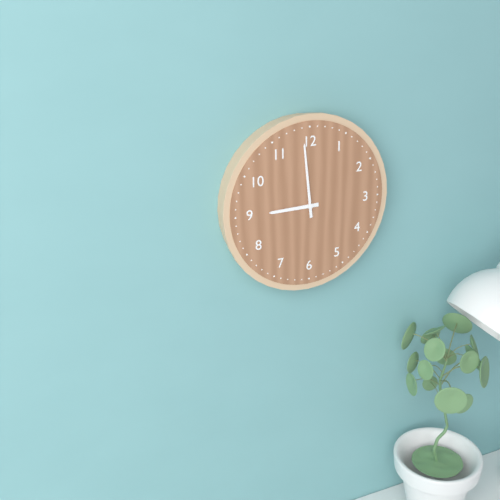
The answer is 8.59
